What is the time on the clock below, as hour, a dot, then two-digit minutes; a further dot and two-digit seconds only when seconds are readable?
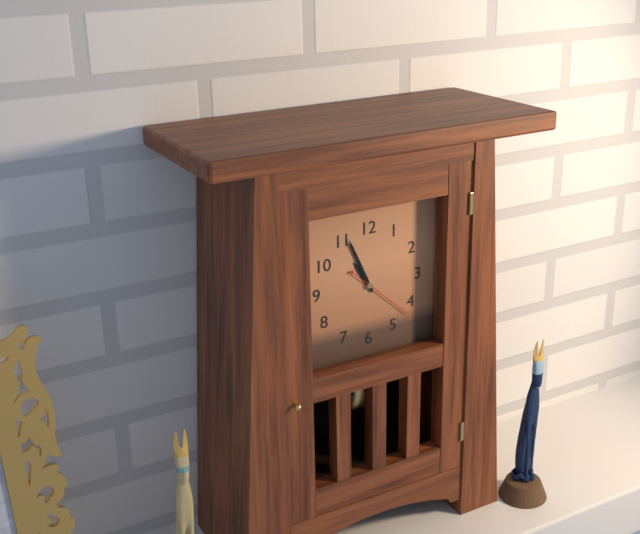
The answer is 10.56.22
